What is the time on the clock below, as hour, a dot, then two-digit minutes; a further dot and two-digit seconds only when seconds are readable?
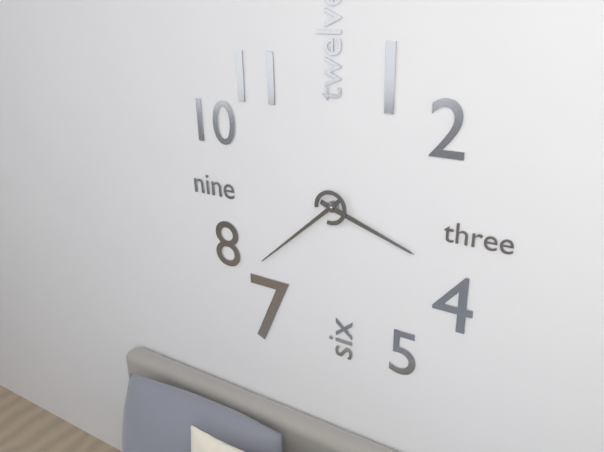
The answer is 3.38
